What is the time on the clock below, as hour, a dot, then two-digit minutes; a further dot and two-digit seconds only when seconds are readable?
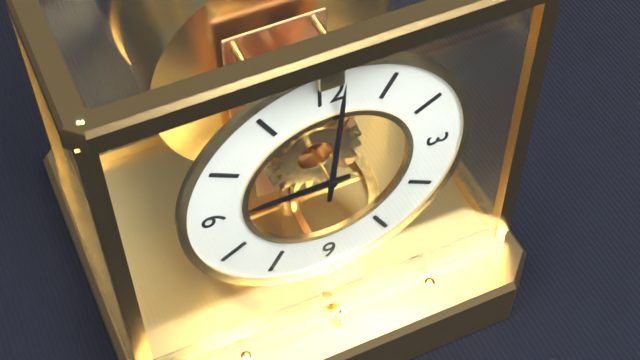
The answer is 9.01
